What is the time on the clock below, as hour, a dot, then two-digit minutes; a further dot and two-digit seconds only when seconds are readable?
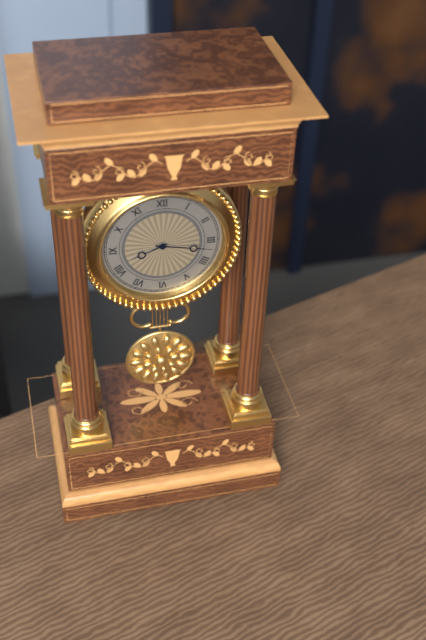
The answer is 8.17
